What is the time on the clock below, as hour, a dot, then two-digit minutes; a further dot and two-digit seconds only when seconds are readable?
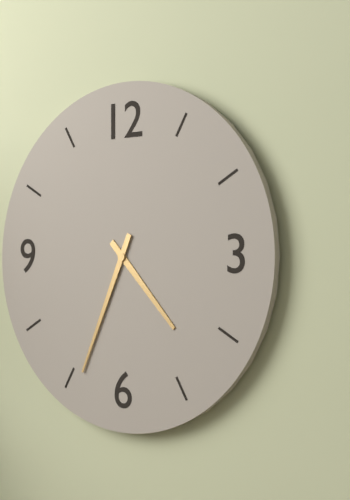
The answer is 4.34
